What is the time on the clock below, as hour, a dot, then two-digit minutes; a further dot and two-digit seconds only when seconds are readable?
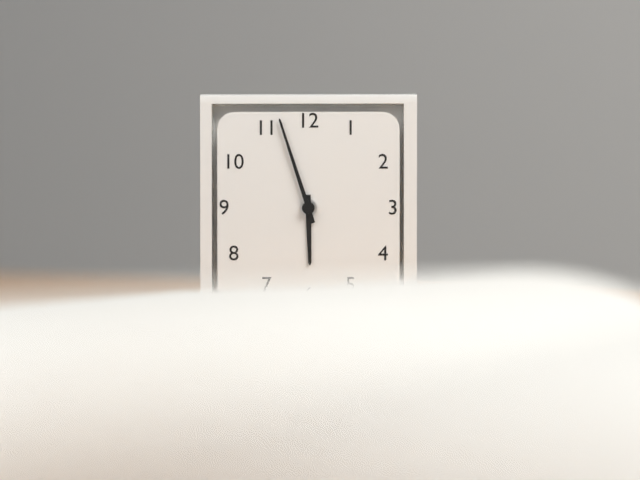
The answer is 5.57
